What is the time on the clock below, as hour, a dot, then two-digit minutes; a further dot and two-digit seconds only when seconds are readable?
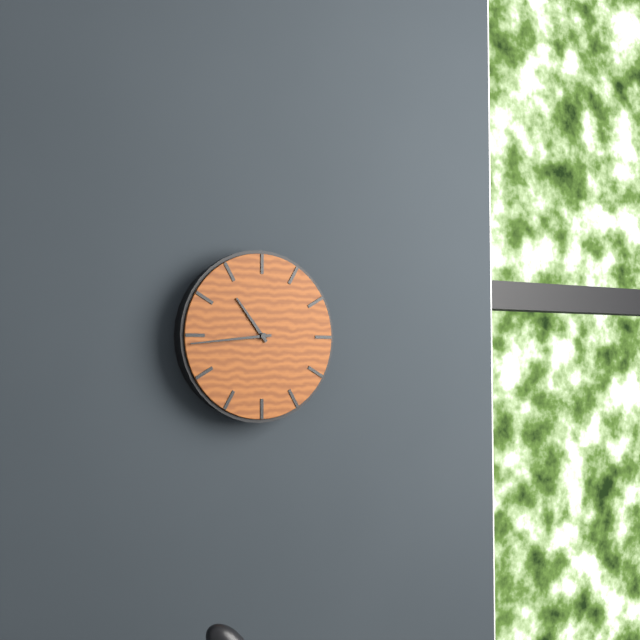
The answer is 10.44
